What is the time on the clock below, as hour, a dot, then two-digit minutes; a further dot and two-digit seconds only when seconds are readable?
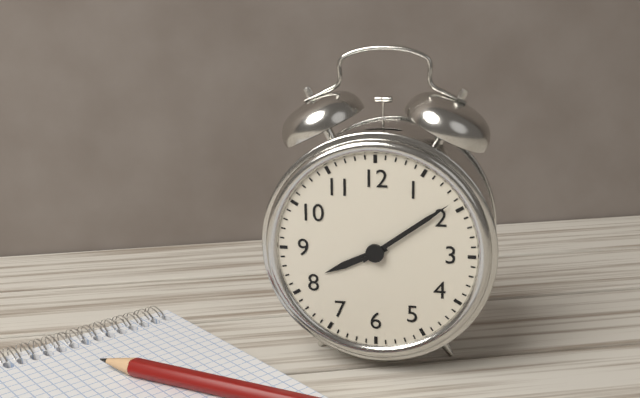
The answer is 8.09
